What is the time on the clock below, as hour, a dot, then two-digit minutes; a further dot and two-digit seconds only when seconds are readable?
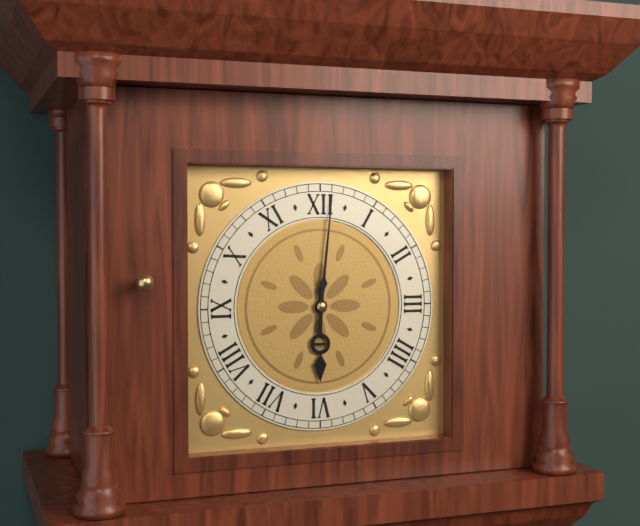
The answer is 6.01
